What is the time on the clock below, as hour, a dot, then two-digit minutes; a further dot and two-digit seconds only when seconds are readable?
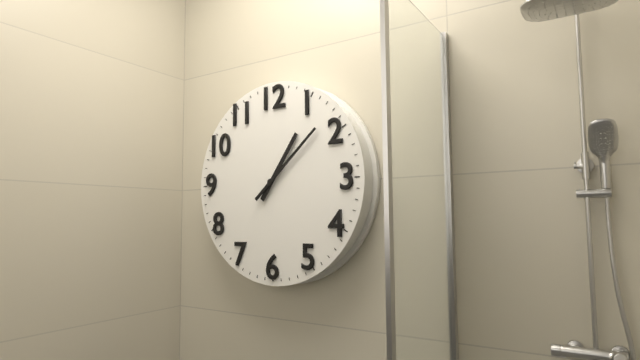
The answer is 1.08
